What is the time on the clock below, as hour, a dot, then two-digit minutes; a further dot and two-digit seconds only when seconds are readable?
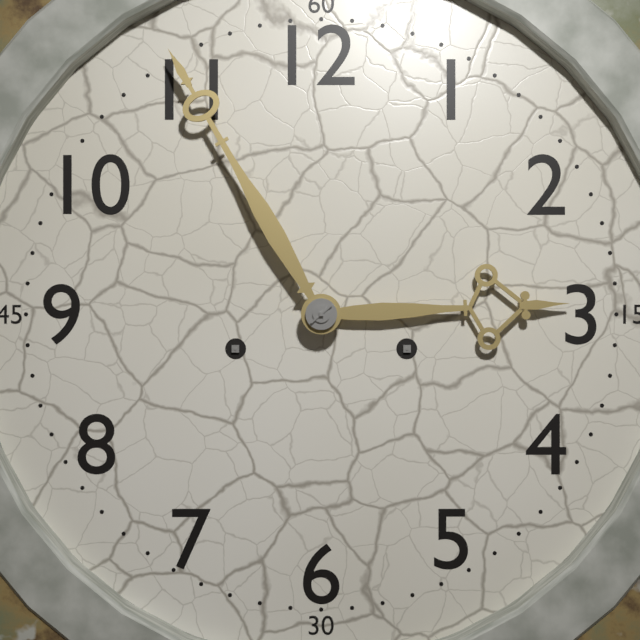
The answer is 2.55
